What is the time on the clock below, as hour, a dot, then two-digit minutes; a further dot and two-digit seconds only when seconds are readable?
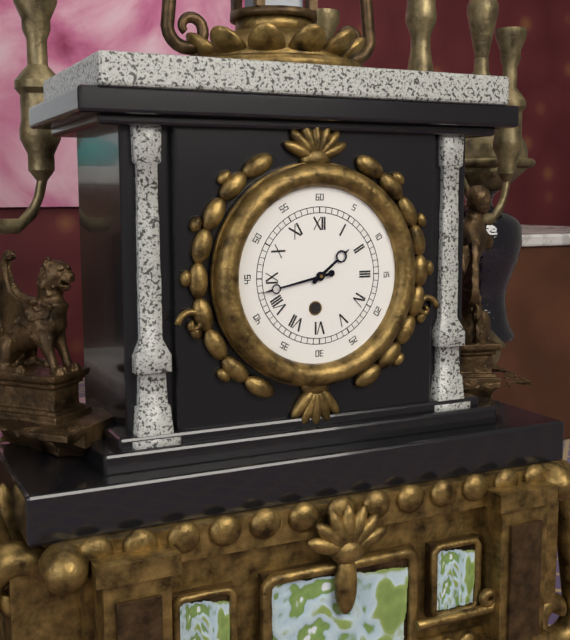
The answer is 1.43
